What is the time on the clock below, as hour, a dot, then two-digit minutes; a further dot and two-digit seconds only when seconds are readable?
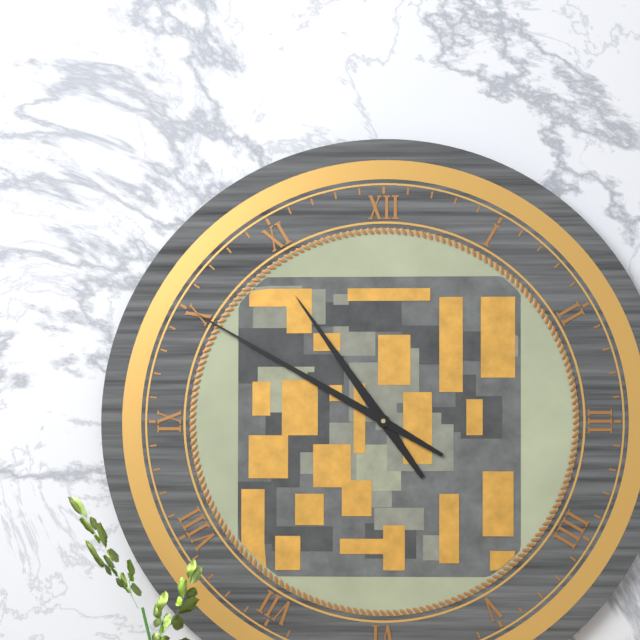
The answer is 10.50
